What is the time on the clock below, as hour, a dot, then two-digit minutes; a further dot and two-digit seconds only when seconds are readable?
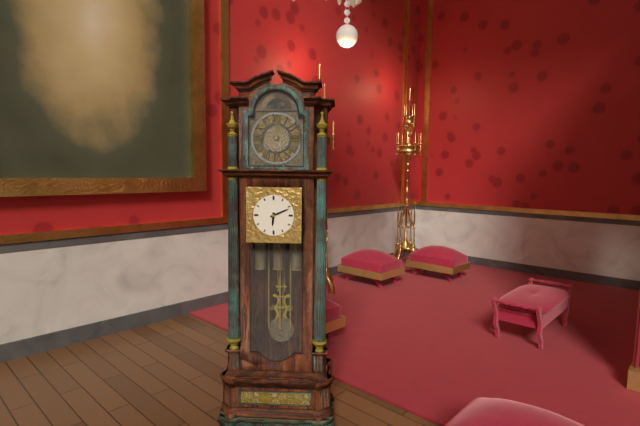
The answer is 6.11
